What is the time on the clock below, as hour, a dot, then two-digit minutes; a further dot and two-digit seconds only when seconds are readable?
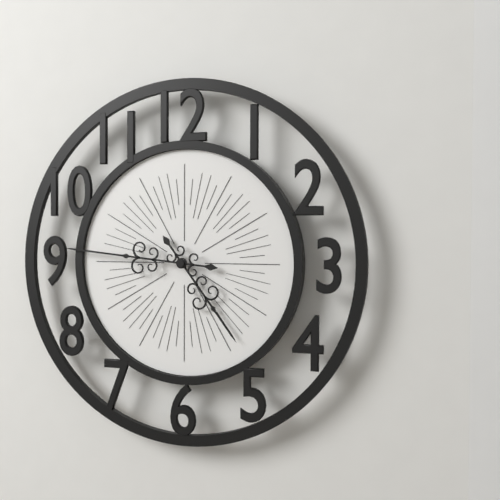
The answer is 4.46
